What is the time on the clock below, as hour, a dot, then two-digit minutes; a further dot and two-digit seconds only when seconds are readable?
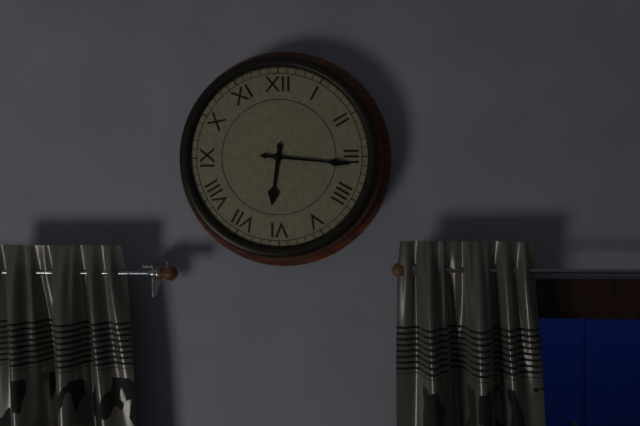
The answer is 6.16
